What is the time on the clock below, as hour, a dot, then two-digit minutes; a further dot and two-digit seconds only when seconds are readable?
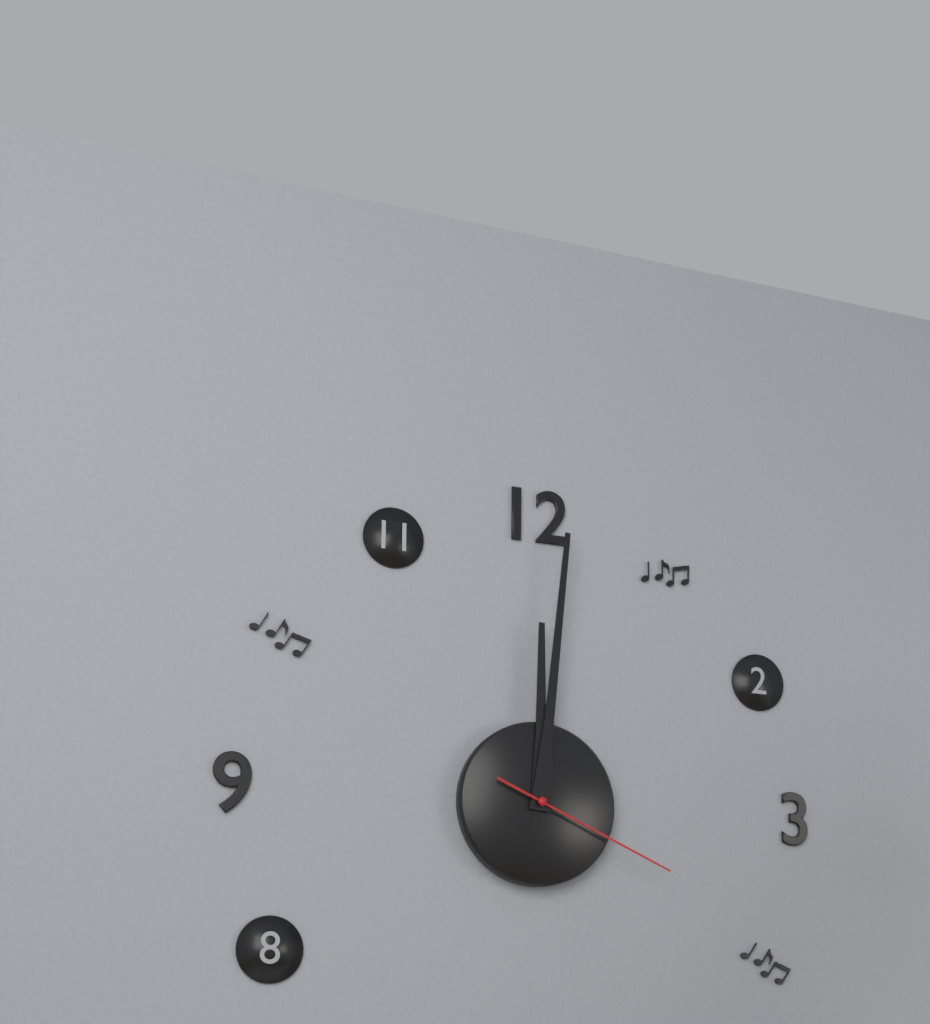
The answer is 12.01.19
